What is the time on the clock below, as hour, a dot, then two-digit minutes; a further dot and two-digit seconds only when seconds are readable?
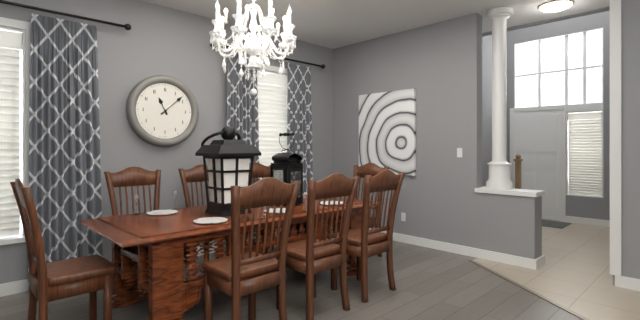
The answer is 11.08
